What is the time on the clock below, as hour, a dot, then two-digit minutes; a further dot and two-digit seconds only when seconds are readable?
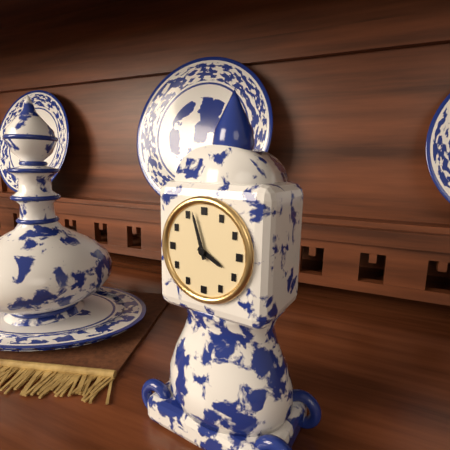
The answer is 3.57
